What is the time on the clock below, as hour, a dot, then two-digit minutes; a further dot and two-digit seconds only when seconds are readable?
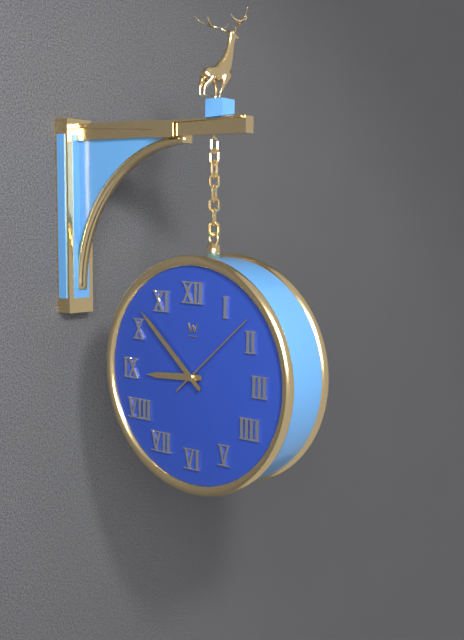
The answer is 8.52.08
